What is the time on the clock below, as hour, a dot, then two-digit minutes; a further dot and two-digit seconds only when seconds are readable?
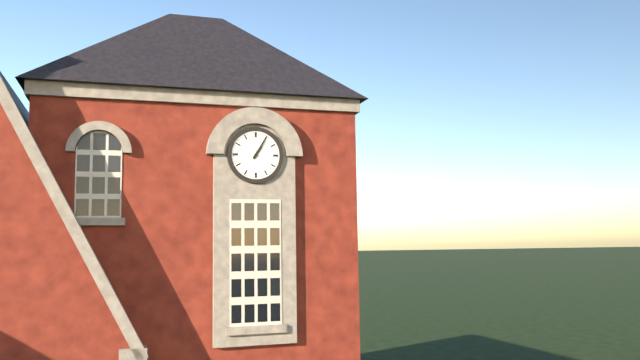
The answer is 1.05
